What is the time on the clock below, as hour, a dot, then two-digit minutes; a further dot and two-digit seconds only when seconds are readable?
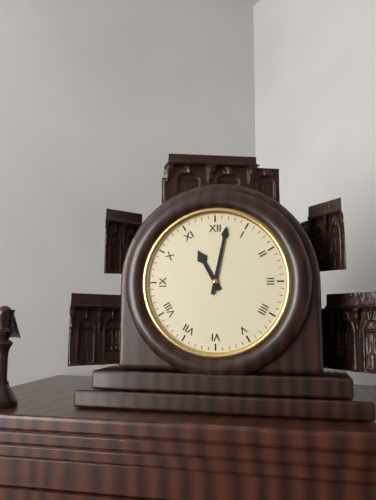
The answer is 11.02
